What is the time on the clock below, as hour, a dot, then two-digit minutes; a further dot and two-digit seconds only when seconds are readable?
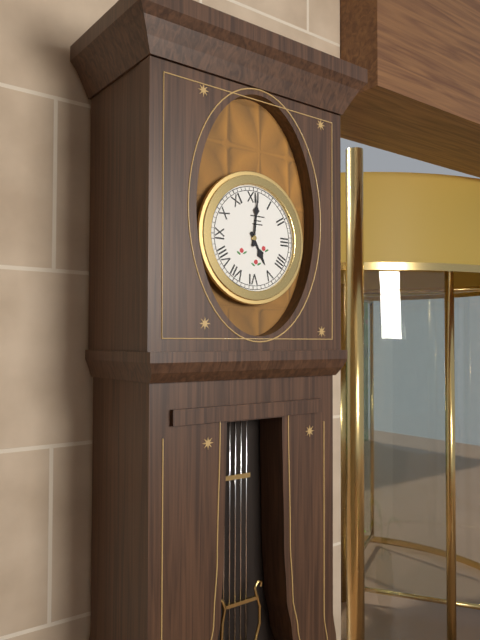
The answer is 5.01
